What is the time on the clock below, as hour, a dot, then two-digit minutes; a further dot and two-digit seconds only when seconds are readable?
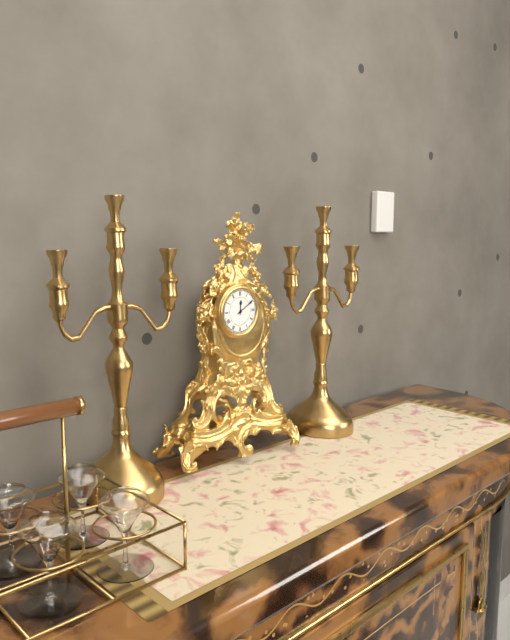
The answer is 12.10
